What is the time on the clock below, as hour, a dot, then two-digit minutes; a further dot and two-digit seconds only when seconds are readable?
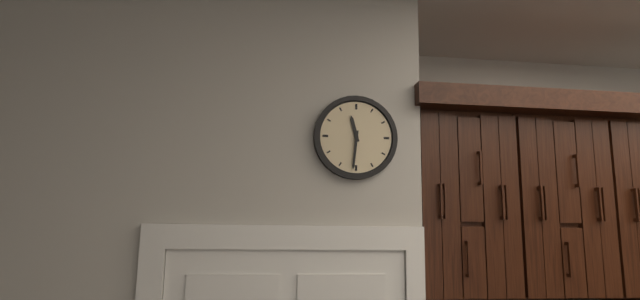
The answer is 11.31
